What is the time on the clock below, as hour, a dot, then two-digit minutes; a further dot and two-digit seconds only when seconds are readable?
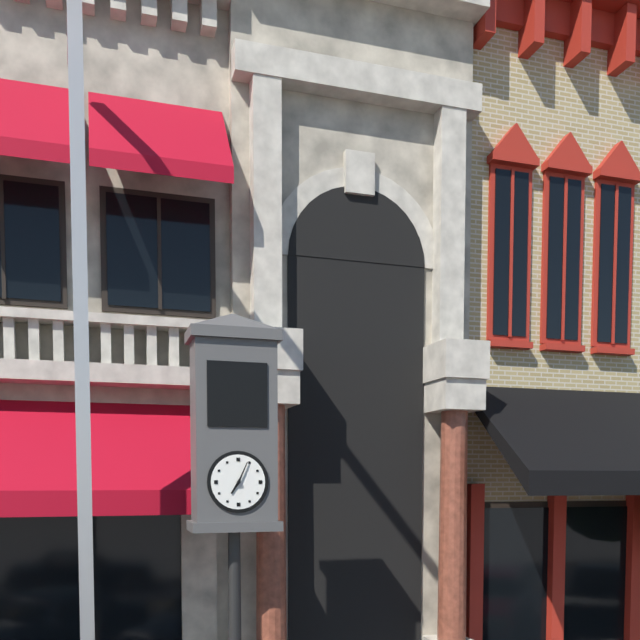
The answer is 7.04
